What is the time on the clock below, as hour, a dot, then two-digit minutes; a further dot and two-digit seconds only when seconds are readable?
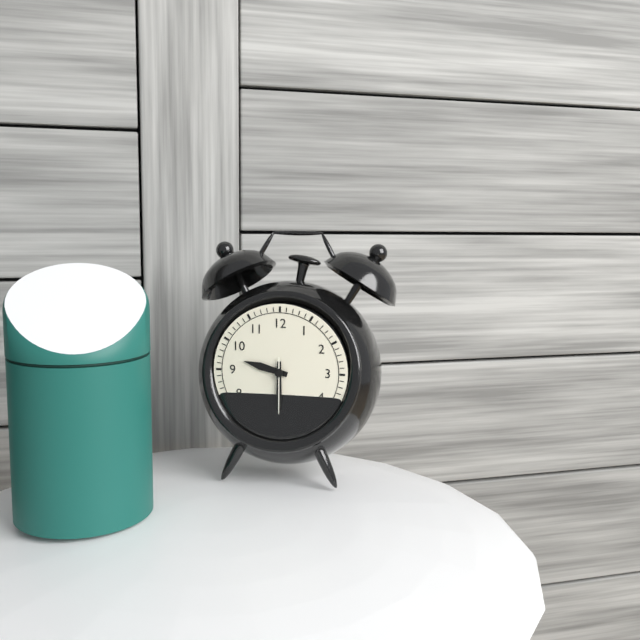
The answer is 9.30
